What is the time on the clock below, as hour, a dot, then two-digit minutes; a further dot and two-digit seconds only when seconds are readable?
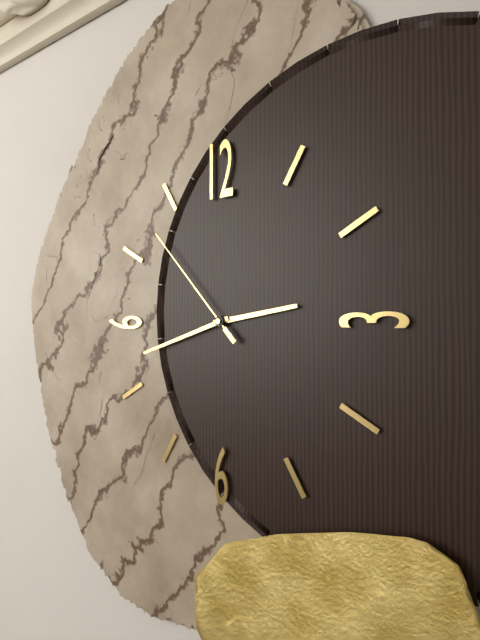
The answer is 2.42.53
